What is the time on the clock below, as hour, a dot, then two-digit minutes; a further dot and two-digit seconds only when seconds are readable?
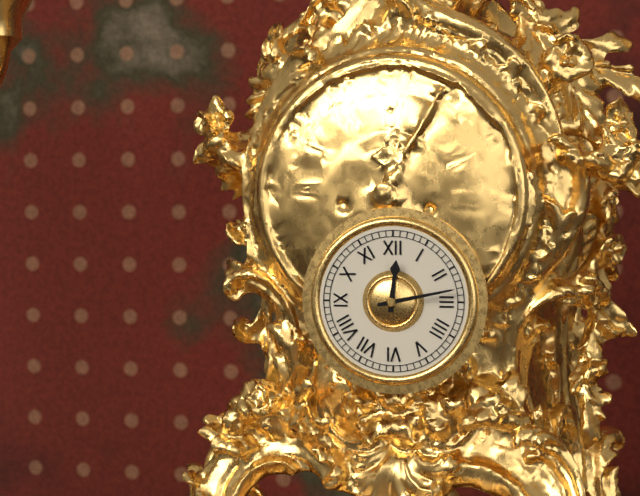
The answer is 12.13
